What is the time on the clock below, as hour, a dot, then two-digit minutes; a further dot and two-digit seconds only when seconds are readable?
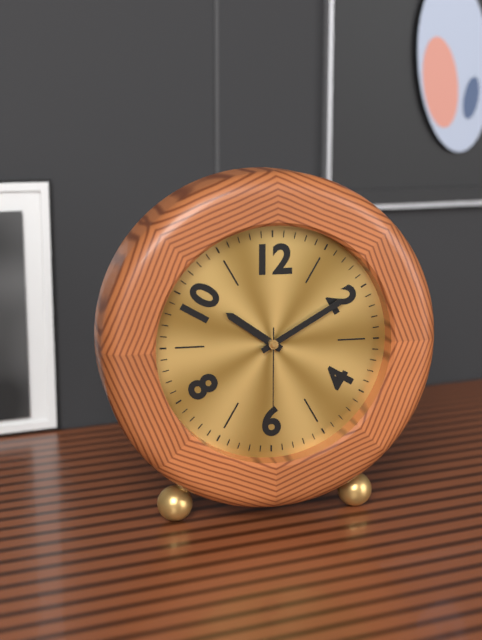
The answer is 10.10.30
